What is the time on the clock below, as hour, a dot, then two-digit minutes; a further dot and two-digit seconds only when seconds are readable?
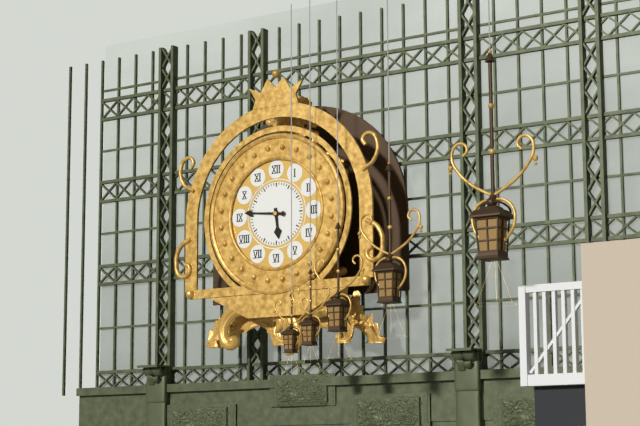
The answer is 5.46
